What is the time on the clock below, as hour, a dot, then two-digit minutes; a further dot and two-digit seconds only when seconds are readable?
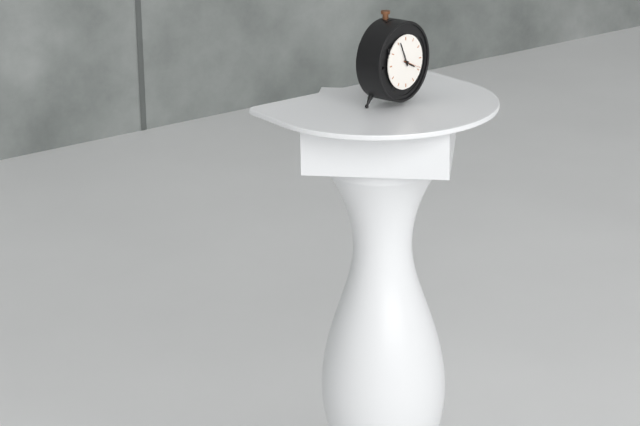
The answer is 3.56
